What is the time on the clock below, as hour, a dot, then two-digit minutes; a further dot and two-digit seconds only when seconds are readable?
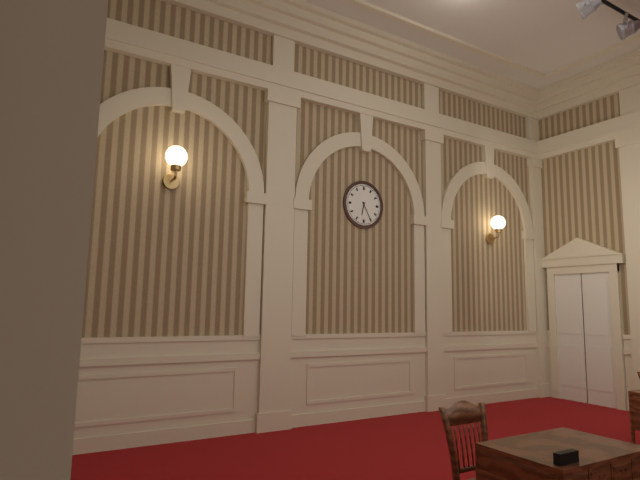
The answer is 6.25
